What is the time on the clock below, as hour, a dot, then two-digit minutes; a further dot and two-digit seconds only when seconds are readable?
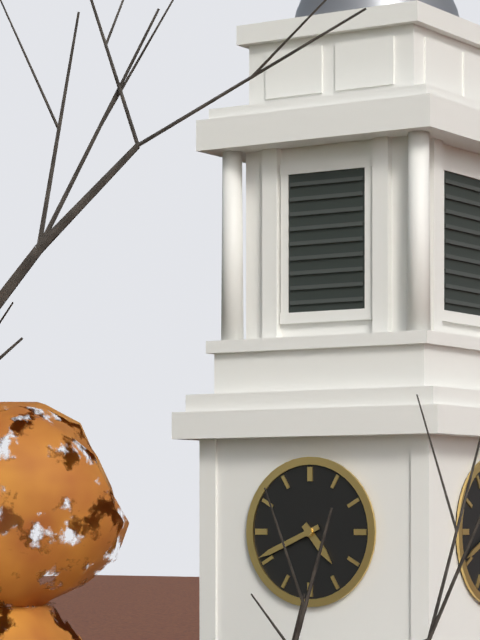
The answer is 4.41
